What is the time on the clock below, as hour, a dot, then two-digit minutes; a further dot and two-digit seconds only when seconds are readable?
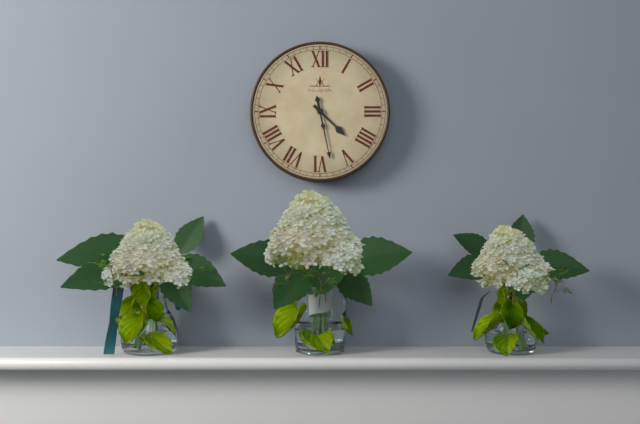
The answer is 4.28
